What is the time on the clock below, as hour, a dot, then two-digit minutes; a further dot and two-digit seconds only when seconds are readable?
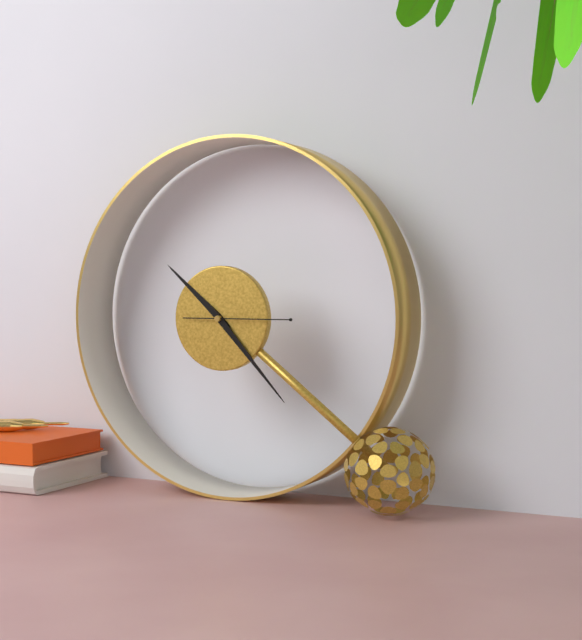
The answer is 10.23.15
